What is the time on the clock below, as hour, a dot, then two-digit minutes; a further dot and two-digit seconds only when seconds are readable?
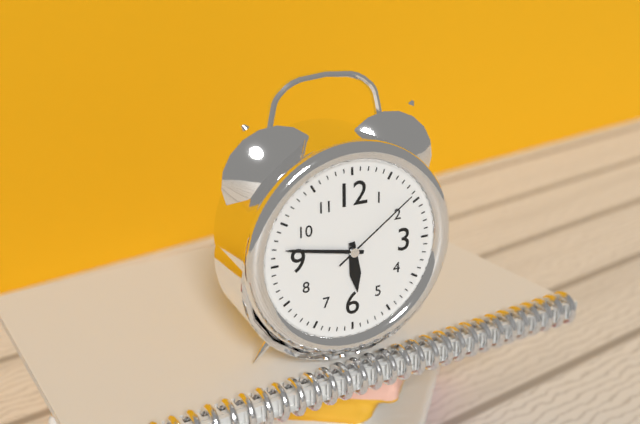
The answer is 5.47.09
